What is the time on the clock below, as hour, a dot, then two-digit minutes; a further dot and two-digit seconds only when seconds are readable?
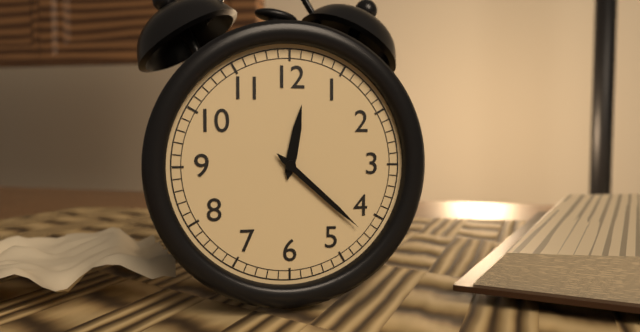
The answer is 12.22
